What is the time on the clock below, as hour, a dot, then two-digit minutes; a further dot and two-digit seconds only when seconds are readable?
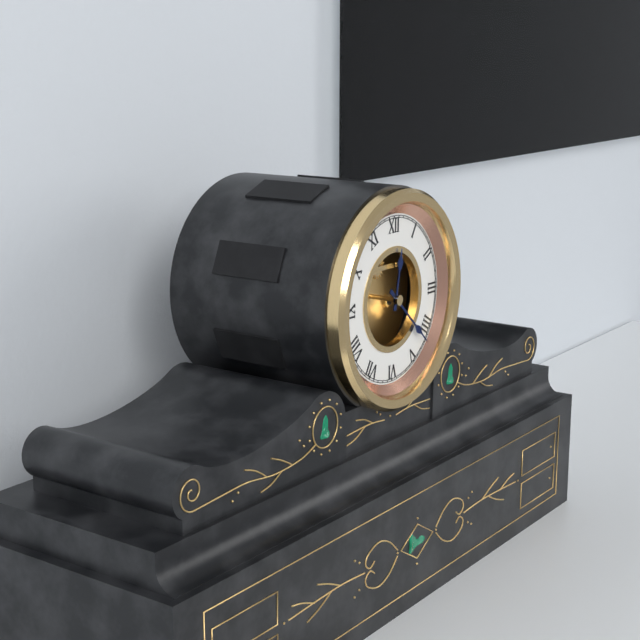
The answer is 12.22
